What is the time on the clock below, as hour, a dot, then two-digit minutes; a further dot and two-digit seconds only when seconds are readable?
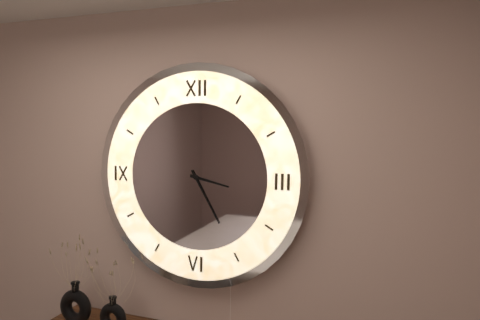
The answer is 3.25
